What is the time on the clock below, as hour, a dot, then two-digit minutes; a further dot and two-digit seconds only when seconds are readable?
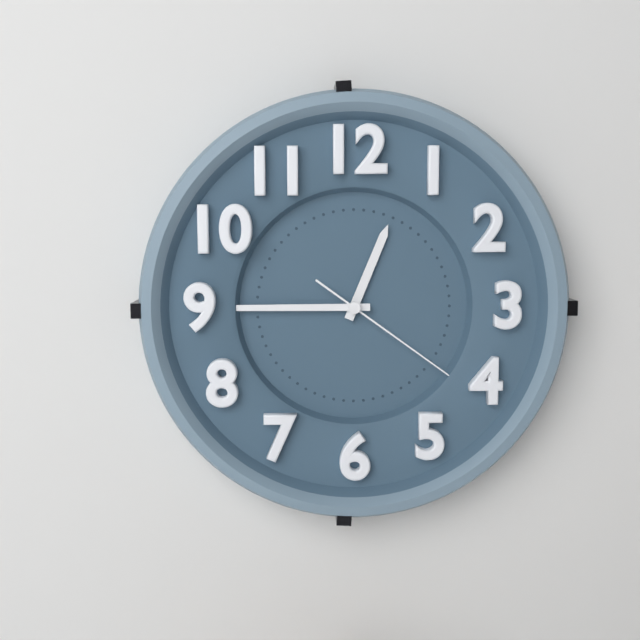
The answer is 12.45.21
